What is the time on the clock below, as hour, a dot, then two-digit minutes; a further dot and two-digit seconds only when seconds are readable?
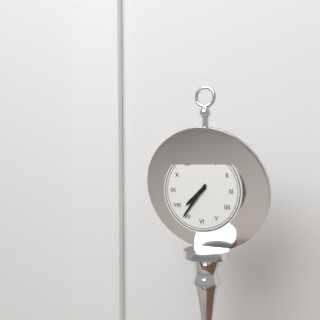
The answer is 7.36
